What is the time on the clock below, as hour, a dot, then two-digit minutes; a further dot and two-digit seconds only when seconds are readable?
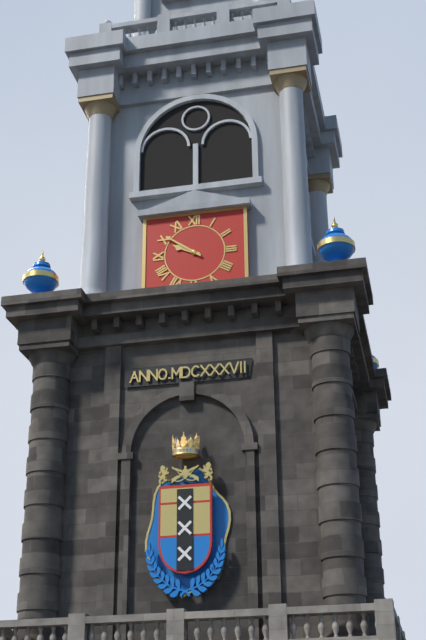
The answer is 9.51
